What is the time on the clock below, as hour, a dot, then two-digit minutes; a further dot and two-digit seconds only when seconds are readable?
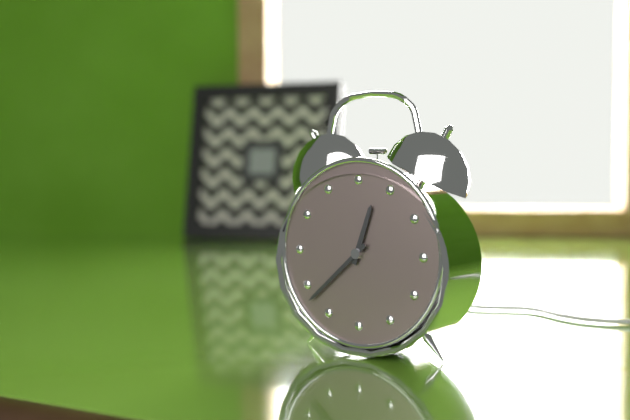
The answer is 12.38
